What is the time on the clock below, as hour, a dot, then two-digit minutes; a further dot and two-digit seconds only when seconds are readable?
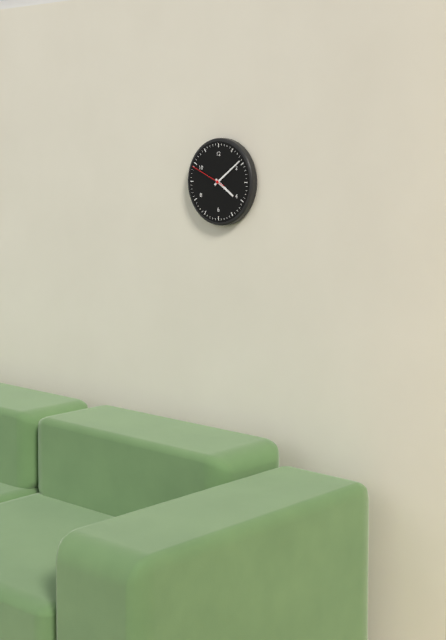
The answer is 4.09
